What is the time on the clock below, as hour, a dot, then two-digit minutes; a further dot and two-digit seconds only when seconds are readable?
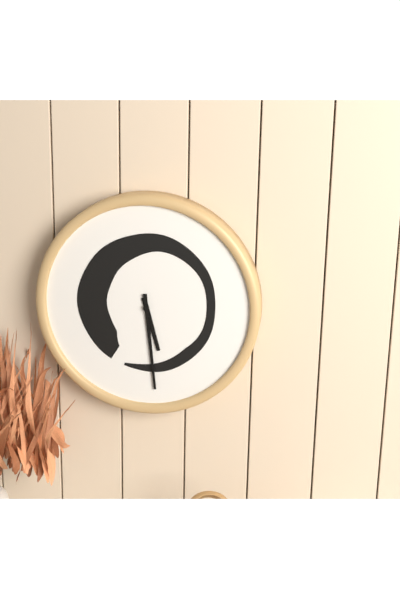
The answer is 5.29
